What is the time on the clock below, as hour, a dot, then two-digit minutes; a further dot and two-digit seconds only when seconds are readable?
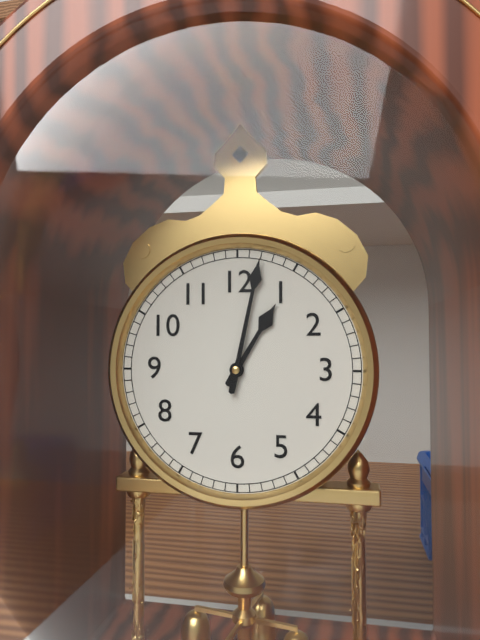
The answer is 1.02
